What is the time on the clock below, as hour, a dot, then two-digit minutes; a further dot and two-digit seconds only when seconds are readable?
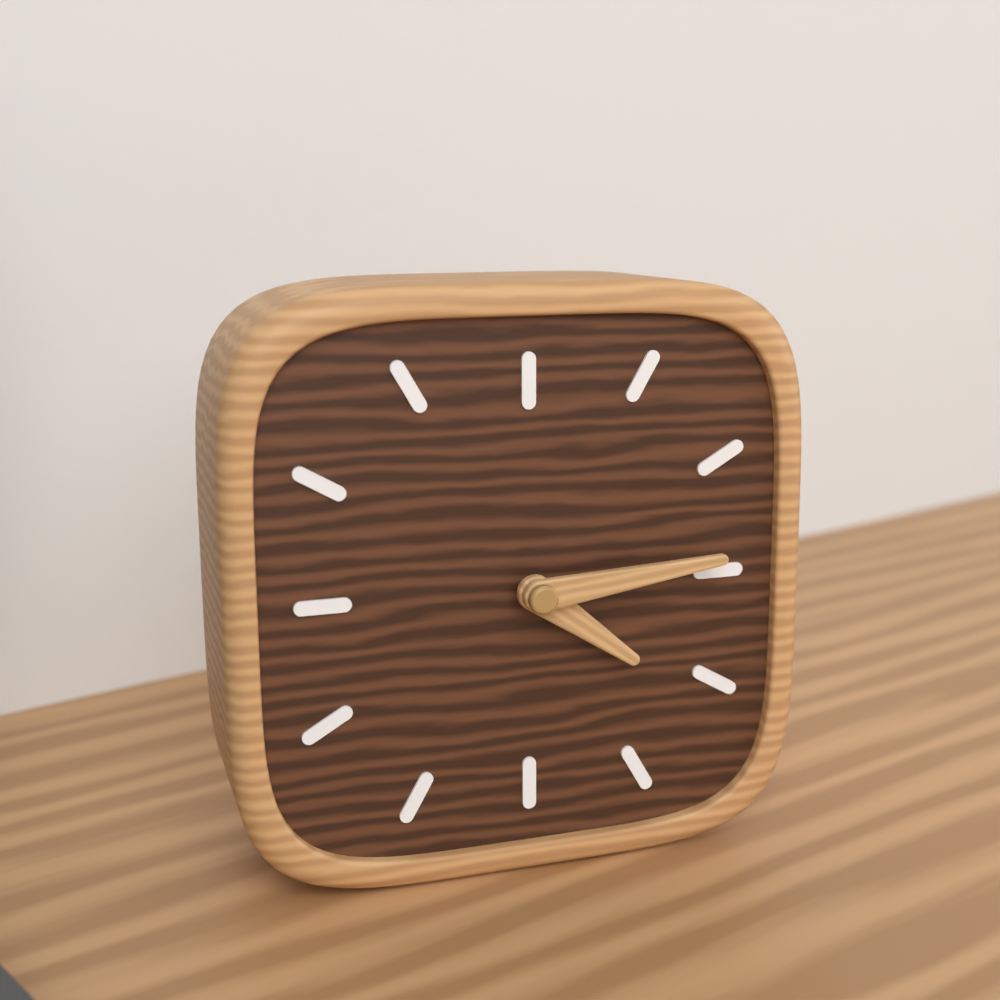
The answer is 4.14
